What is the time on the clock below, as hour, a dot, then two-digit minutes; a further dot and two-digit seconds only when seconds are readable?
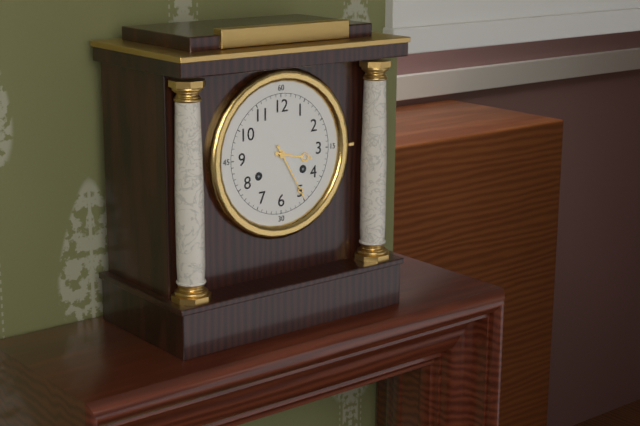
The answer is 3.25
